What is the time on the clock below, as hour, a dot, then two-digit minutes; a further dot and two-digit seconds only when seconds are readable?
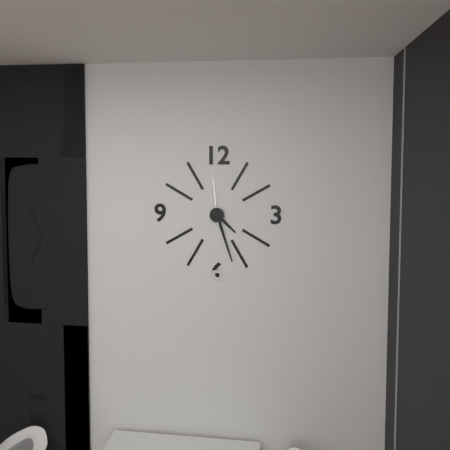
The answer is 4.27
